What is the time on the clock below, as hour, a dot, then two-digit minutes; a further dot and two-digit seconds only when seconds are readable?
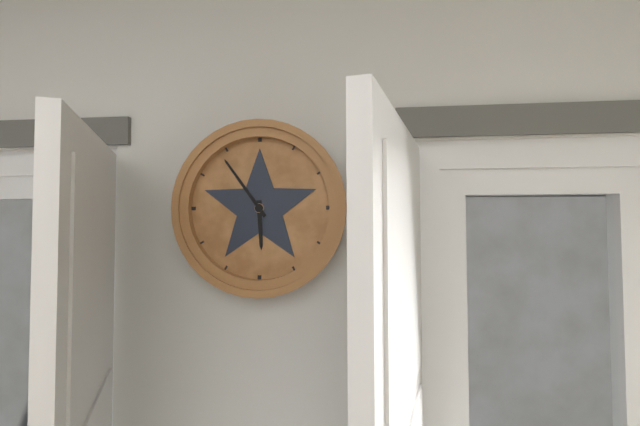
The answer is 5.54
